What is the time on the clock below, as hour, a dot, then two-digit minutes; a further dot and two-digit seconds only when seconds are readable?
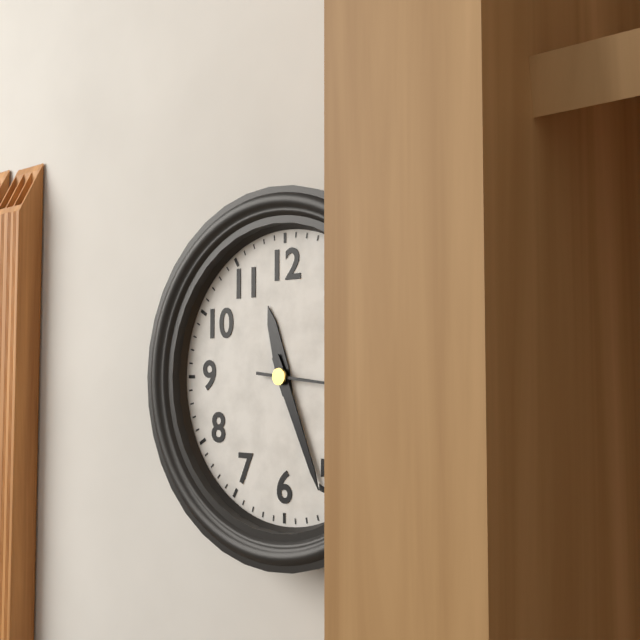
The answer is 11.26
